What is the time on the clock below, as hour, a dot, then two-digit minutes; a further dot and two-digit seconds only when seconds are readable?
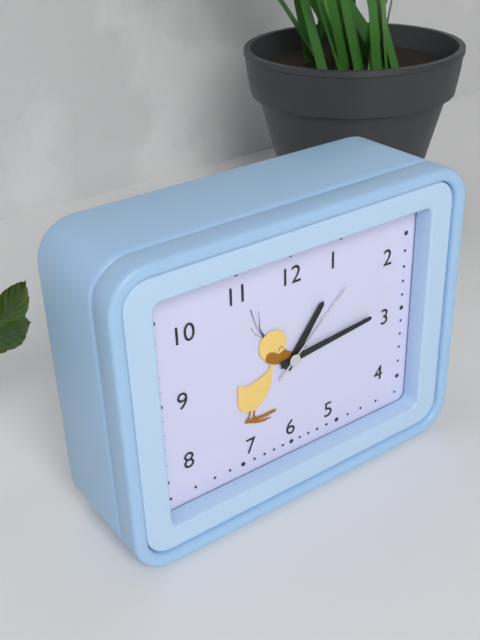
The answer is 1.14.08
